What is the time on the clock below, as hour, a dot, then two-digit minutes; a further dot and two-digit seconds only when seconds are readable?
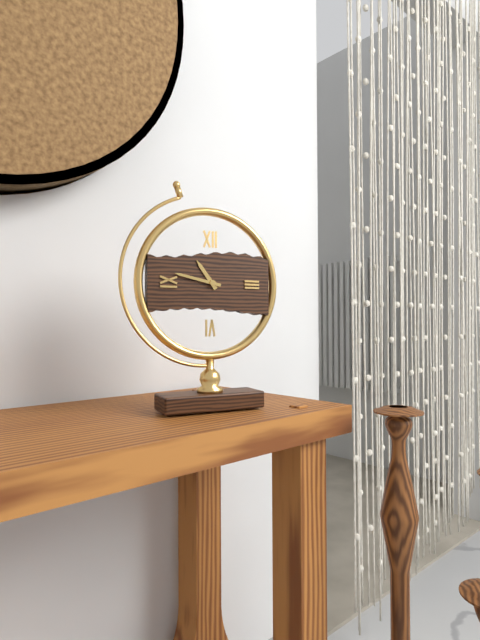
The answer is 10.47
